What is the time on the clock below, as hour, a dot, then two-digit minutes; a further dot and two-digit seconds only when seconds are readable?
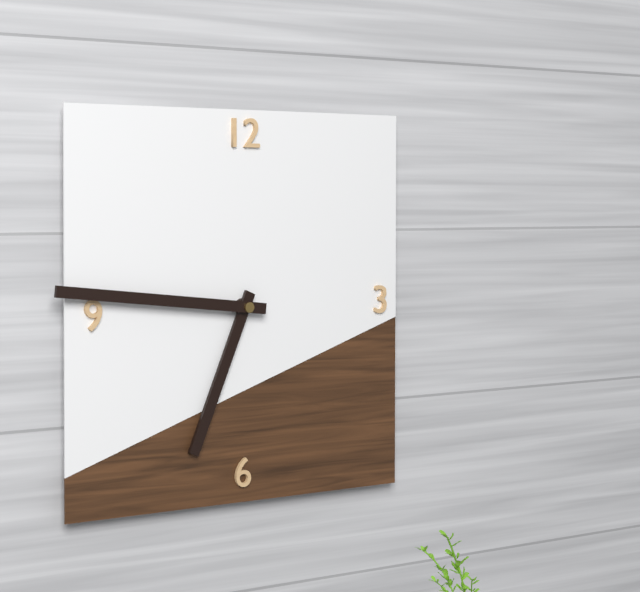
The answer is 6.46
